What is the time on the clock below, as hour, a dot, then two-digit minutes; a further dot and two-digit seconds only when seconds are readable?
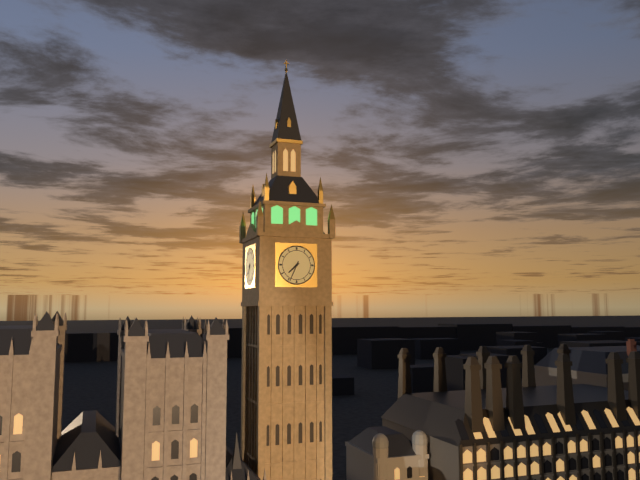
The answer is 7.34
